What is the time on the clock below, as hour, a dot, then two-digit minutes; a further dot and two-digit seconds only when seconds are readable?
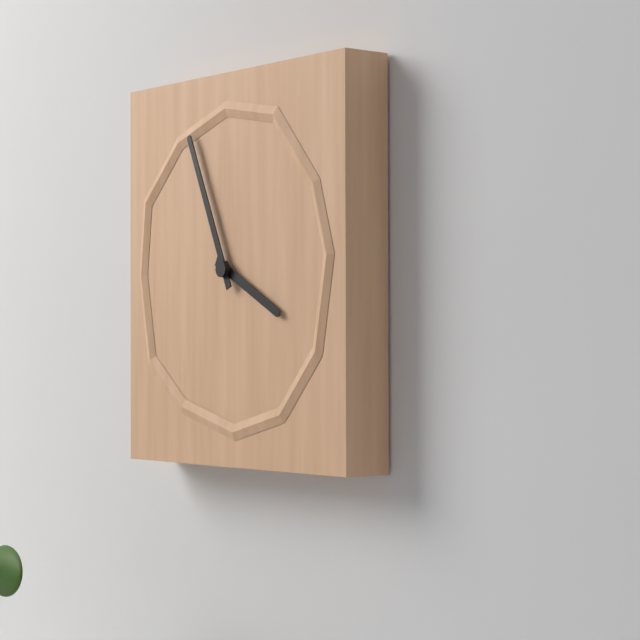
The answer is 3.56
